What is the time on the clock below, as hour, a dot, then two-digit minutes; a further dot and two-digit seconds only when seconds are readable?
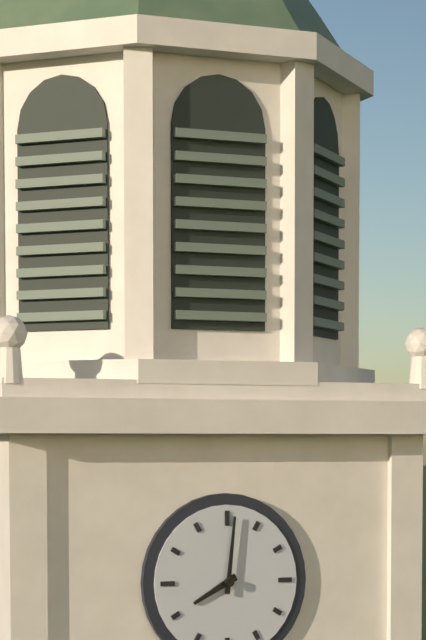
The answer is 8.01
